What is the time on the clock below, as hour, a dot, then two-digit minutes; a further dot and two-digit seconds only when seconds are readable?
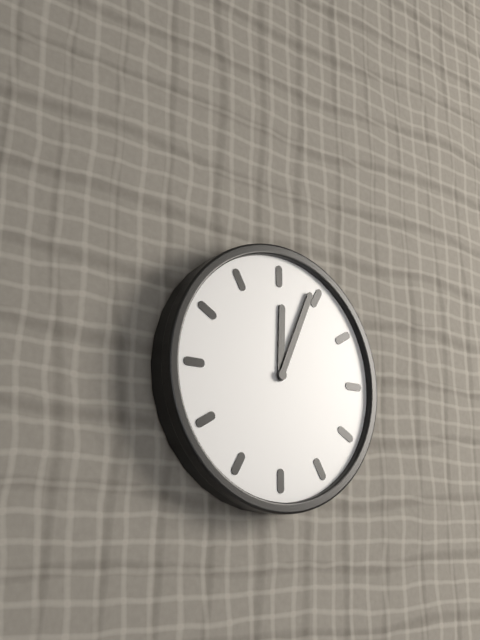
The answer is 12.04
